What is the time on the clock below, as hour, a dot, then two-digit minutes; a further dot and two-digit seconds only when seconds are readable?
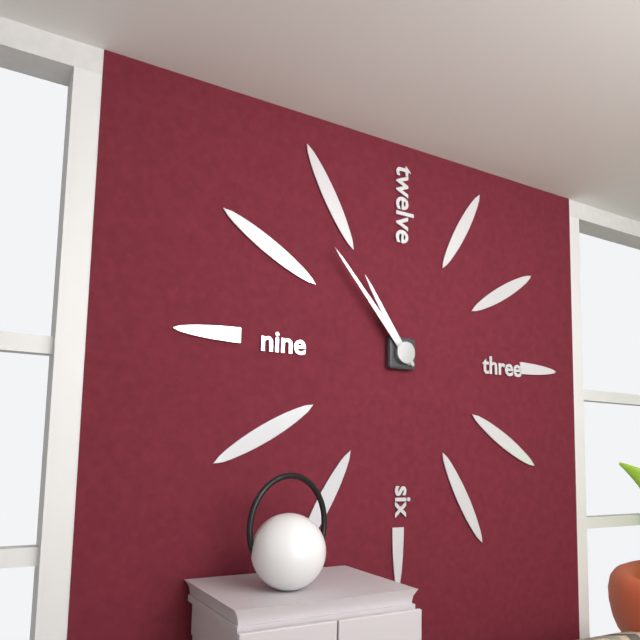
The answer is 10.53
